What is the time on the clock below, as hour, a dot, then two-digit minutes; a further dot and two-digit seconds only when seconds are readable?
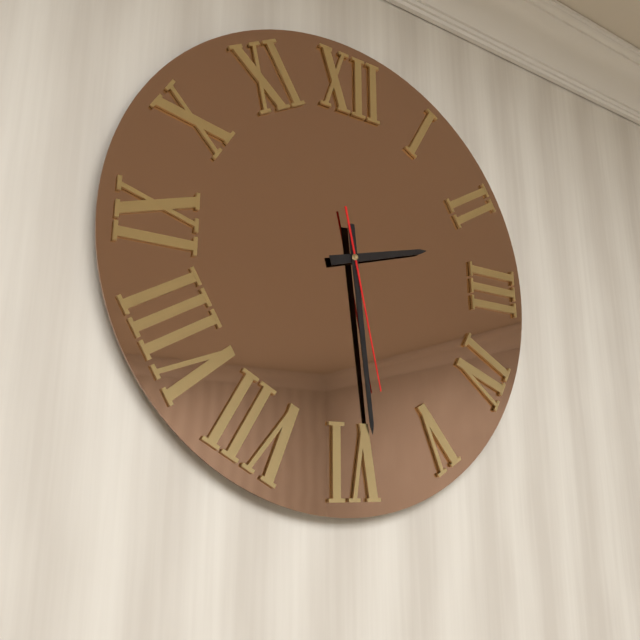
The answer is 2.29.28
